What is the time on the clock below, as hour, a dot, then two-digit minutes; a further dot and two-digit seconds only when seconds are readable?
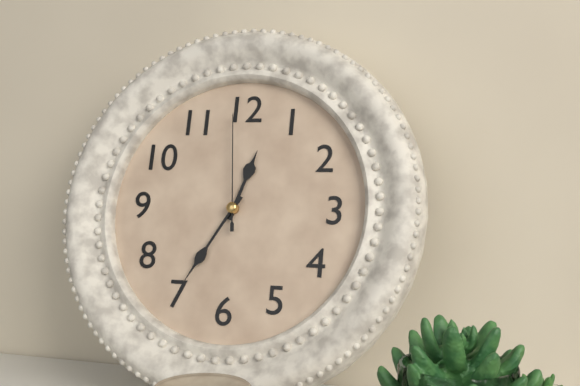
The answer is 12.35.59
